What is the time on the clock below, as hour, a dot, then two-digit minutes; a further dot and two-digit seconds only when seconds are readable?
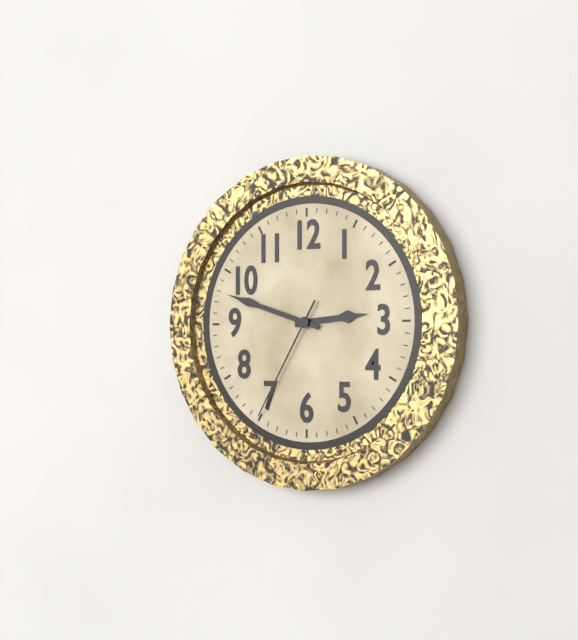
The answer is 2.48.35
